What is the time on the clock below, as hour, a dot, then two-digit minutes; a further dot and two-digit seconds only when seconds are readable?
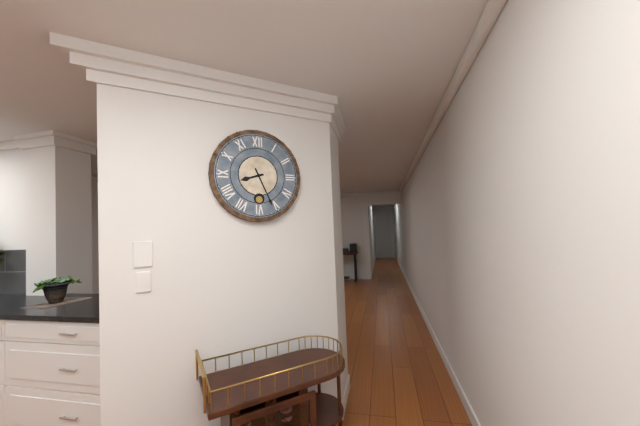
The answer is 8.26
